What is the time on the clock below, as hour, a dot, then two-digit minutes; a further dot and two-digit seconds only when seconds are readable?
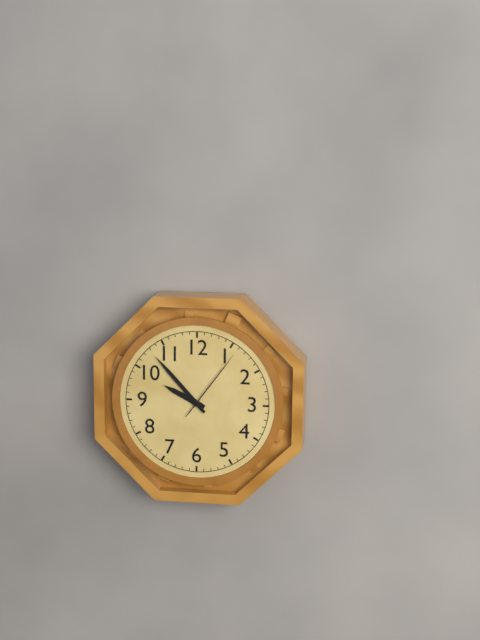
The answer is 9.53.06
